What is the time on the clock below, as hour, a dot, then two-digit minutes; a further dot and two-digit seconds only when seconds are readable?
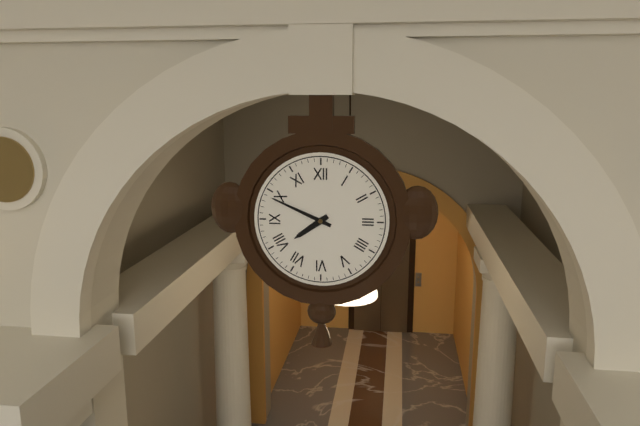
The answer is 7.49
